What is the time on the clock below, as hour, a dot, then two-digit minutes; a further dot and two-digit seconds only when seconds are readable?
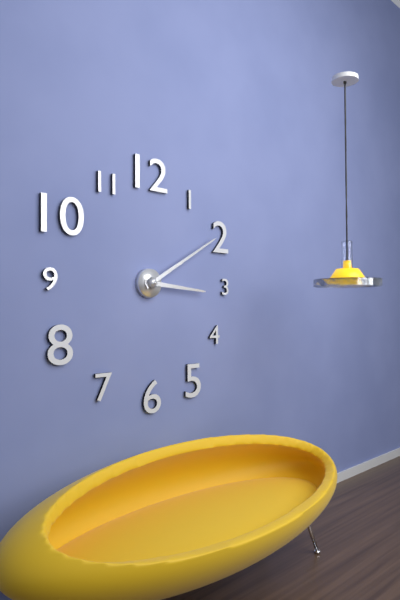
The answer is 3.10
